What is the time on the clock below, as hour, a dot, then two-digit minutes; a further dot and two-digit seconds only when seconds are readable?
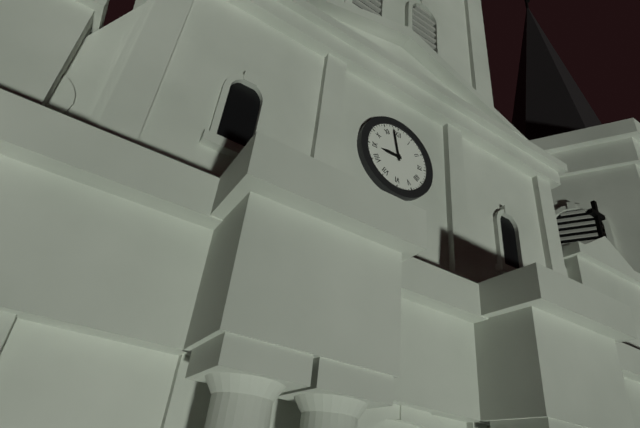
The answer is 8.58
